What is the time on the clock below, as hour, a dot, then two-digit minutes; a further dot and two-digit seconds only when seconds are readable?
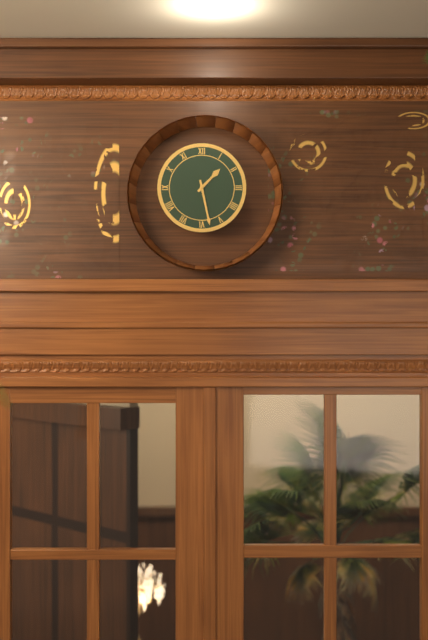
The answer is 1.28
